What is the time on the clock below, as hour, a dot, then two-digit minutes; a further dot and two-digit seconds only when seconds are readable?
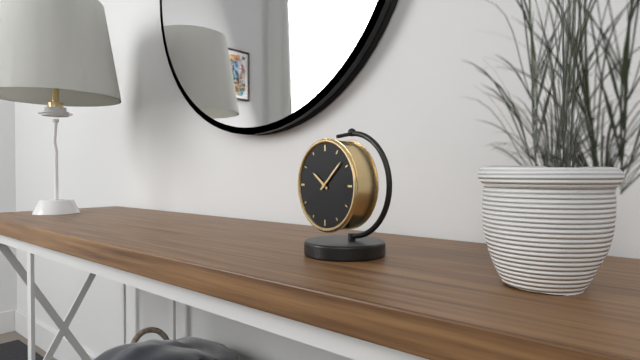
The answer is 10.08
